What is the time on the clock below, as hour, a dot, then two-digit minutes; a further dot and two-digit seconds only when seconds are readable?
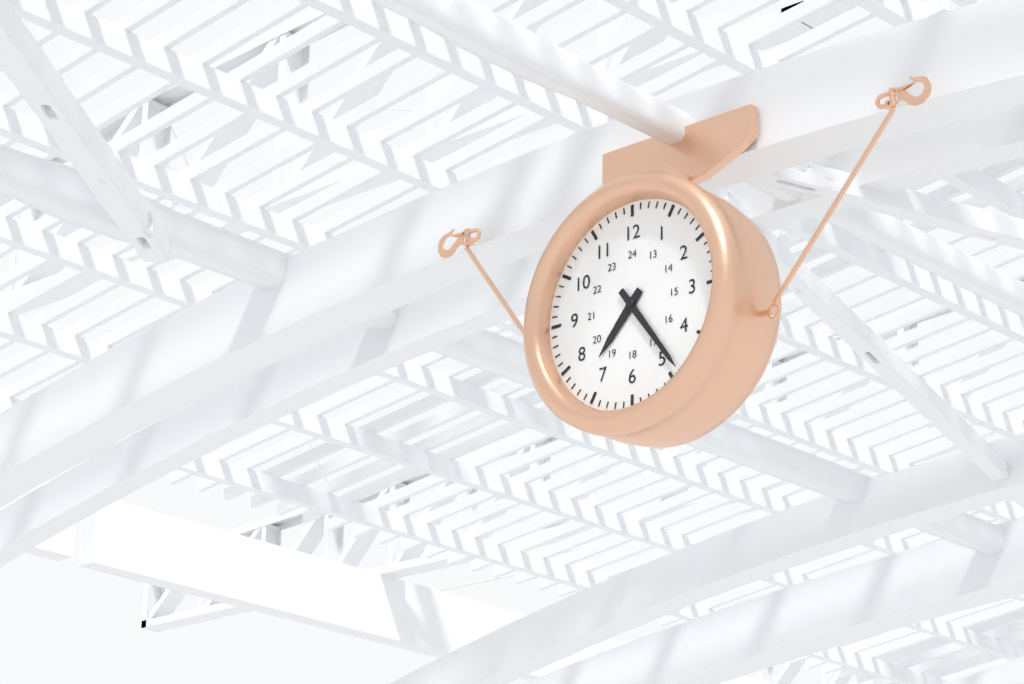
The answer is 7.24
